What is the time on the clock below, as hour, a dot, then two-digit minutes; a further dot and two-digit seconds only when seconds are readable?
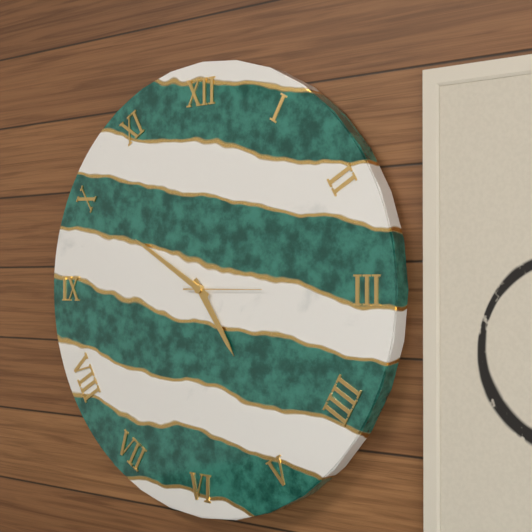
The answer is 4.50.15
